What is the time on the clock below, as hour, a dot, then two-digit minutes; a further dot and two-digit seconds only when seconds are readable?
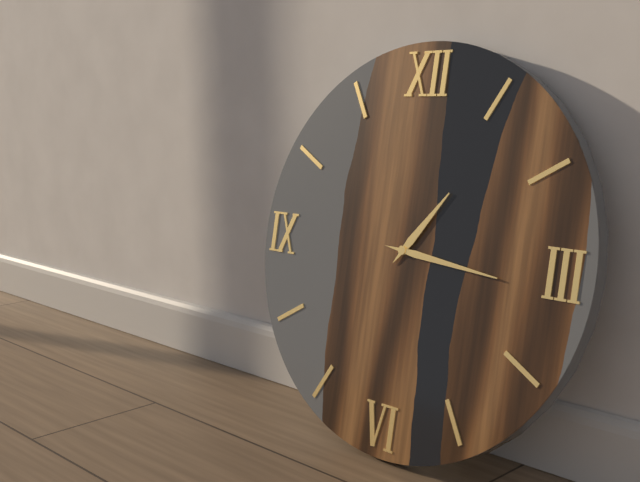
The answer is 1.16
